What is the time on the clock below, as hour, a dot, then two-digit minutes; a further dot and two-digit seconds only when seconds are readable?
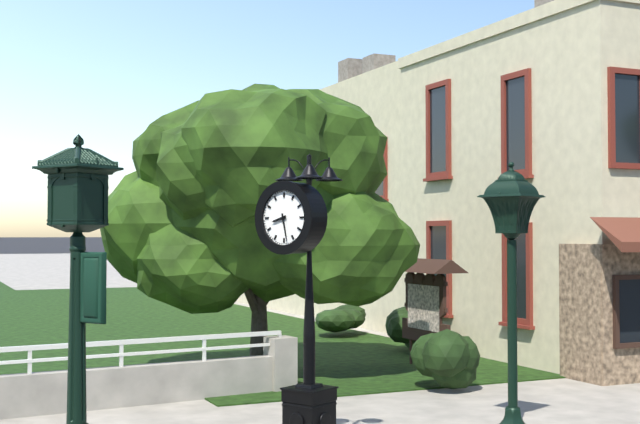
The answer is 8.28
